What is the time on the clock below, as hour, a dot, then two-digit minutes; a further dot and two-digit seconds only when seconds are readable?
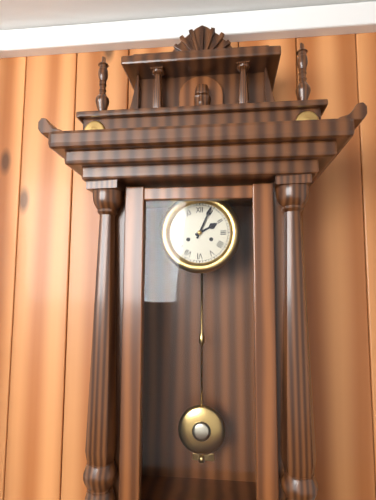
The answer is 2.04
